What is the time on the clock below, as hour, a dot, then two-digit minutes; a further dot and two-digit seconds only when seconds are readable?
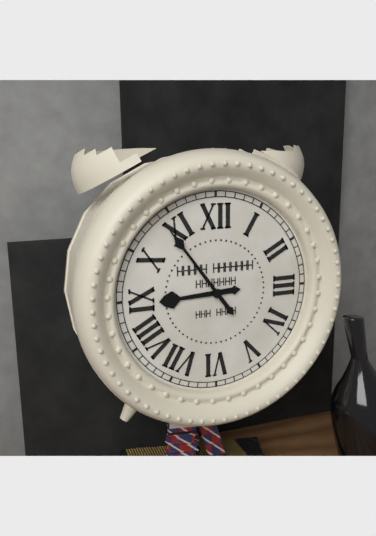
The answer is 8.54
